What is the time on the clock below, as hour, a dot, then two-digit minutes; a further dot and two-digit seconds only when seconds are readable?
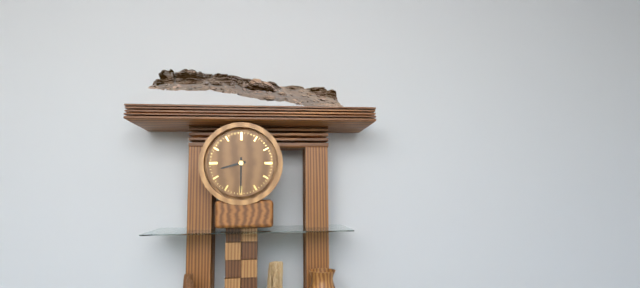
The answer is 8.30
